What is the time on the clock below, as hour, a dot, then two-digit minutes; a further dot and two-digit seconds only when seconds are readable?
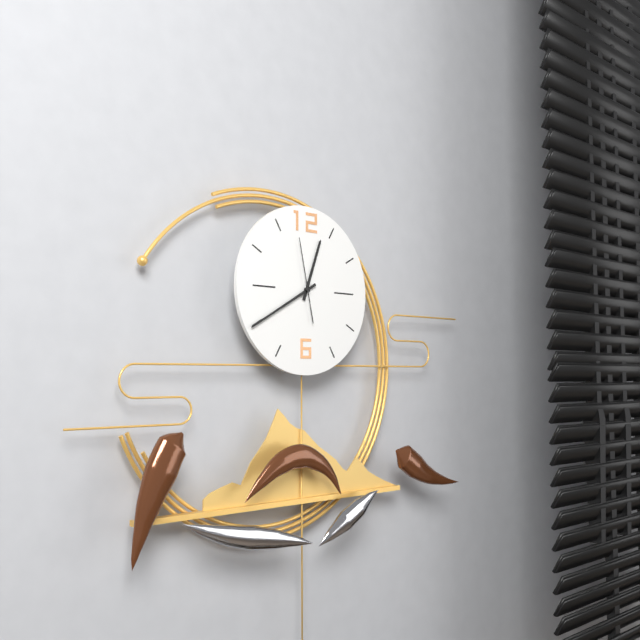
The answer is 12.40.58
